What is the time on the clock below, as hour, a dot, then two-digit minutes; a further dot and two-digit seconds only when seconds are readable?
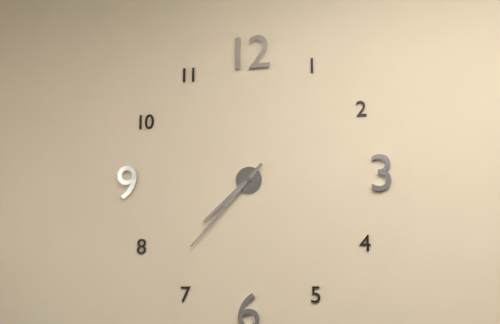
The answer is 7.37
